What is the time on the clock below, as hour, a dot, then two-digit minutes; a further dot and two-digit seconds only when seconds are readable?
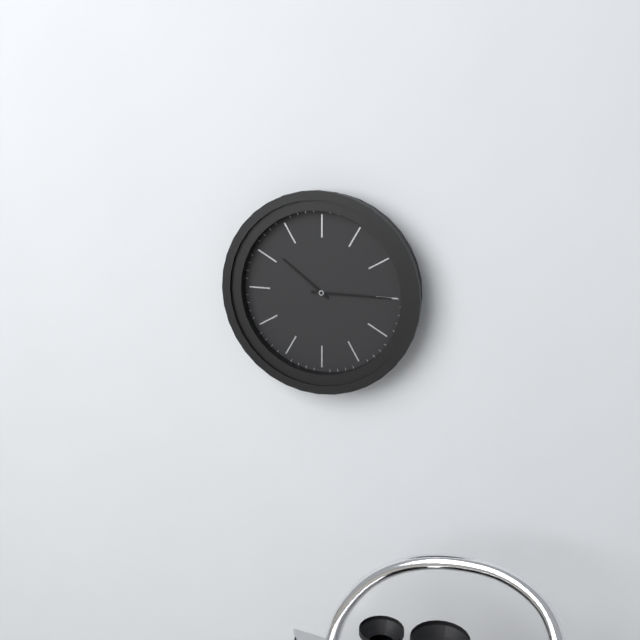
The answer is 10.15
